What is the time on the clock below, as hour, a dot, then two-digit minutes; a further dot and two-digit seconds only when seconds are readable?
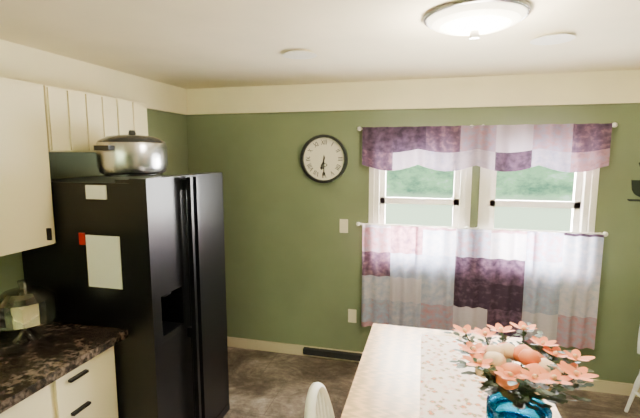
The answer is 6.30
